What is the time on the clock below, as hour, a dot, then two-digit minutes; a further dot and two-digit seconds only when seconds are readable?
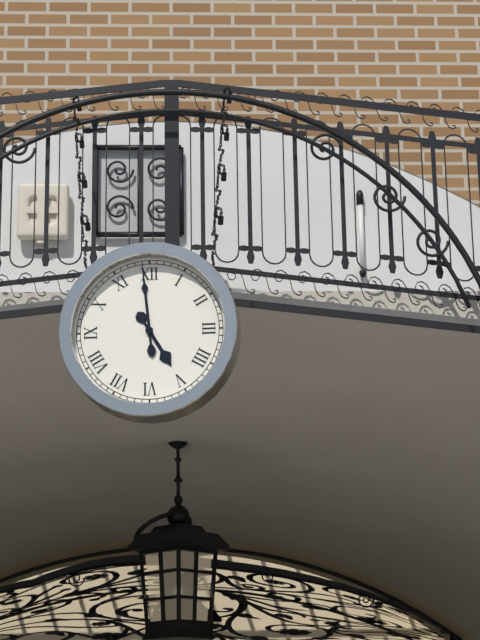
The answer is 4.59
